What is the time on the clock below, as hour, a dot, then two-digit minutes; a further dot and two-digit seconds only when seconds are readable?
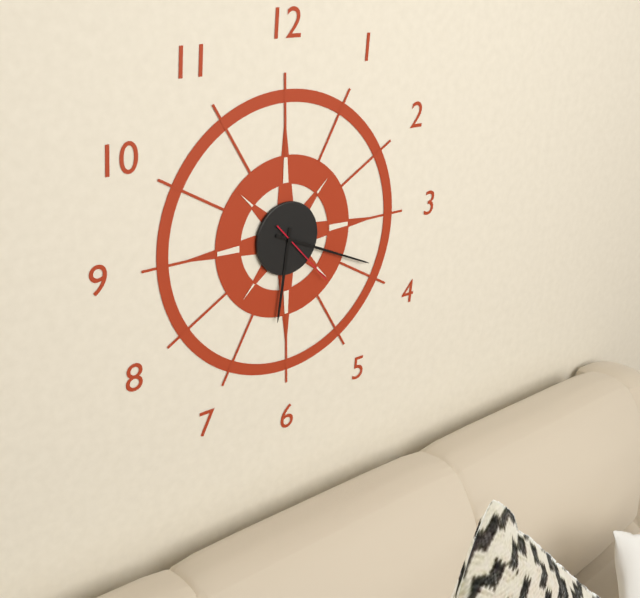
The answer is 6.19.23
